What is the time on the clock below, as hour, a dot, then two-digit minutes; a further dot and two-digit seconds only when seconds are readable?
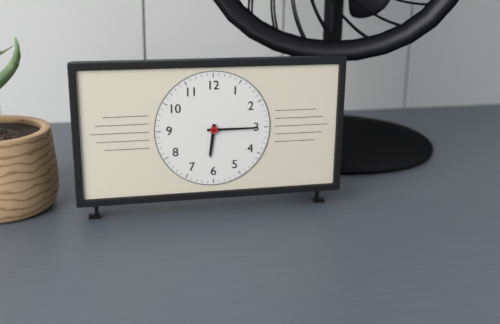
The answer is 6.15
